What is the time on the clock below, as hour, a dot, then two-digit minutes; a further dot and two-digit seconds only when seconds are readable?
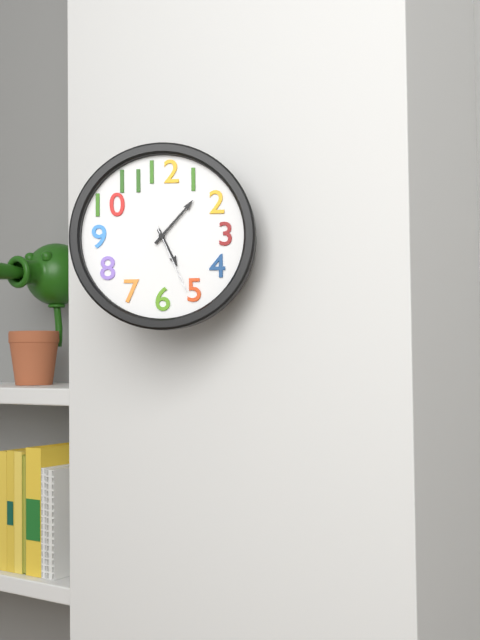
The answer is 5.07.26
